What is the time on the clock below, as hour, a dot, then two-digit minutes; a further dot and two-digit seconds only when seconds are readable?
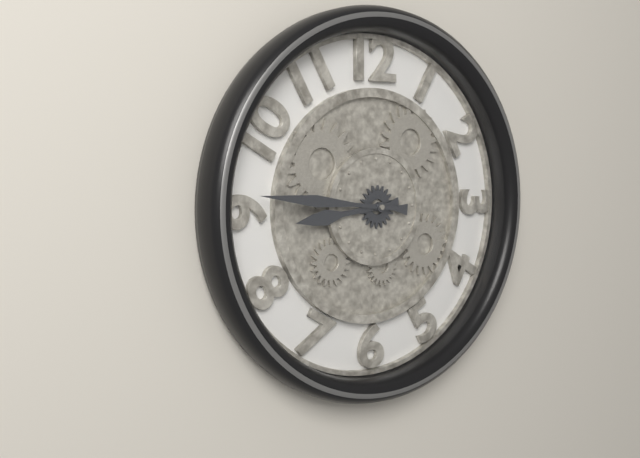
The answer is 8.46
